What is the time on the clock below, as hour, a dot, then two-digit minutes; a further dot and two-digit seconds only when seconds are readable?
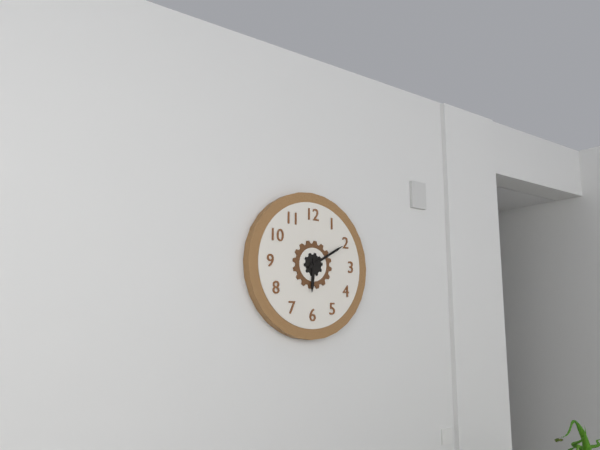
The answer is 6.10
